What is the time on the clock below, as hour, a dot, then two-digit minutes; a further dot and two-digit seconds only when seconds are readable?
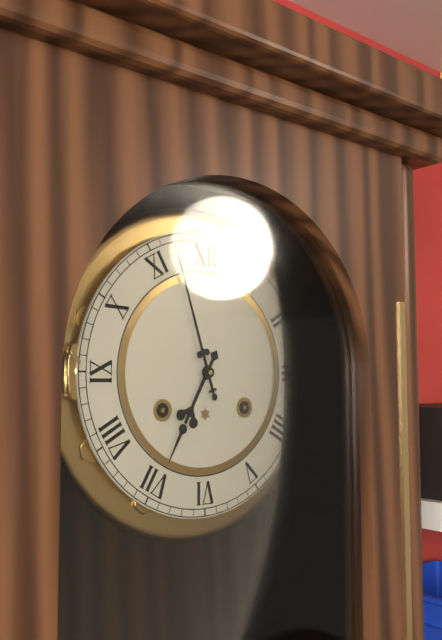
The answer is 6.57
